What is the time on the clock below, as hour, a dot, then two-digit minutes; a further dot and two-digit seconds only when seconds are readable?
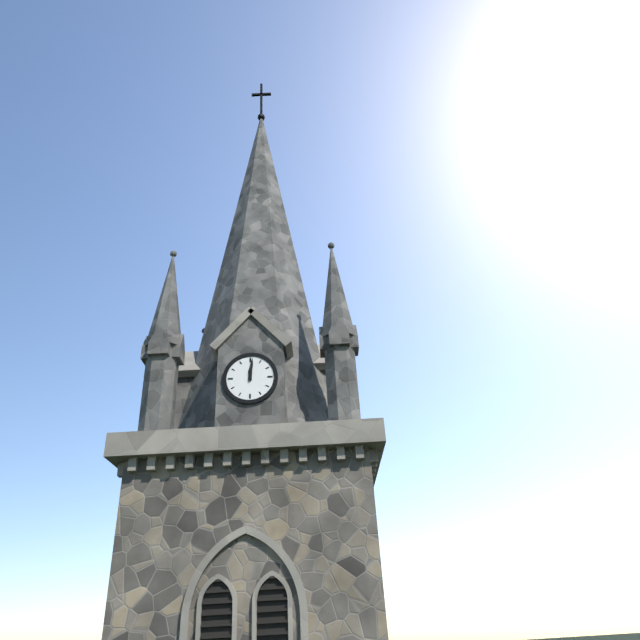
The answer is 12.01
